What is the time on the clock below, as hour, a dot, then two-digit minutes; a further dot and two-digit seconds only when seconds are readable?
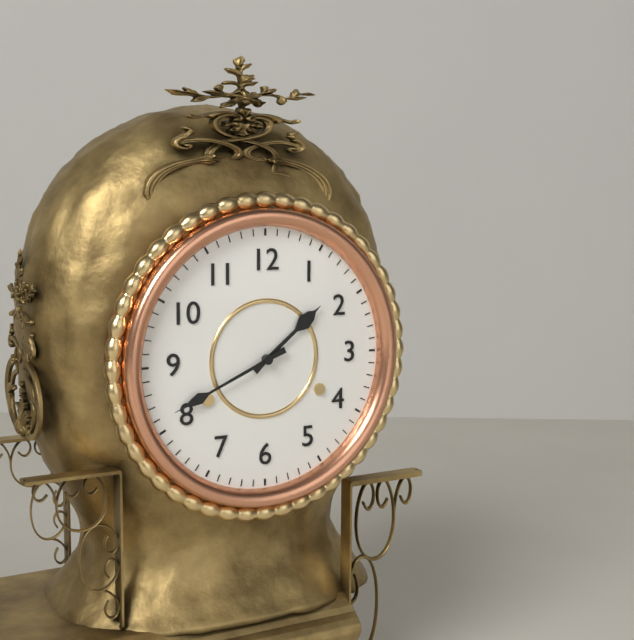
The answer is 1.41
